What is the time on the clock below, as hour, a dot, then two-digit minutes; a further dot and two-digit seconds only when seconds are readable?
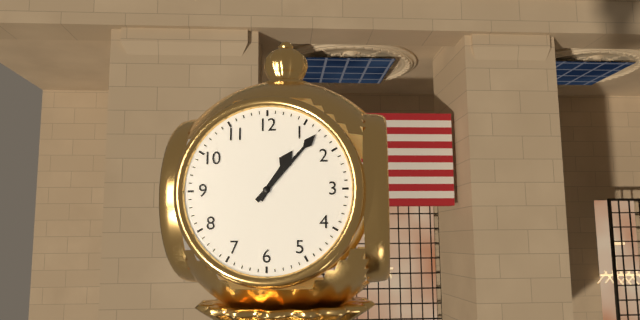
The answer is 1.07
